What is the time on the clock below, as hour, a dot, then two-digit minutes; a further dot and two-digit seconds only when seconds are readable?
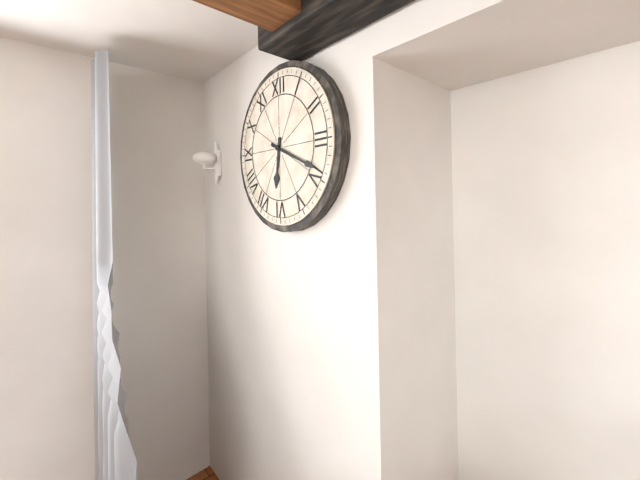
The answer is 6.19
